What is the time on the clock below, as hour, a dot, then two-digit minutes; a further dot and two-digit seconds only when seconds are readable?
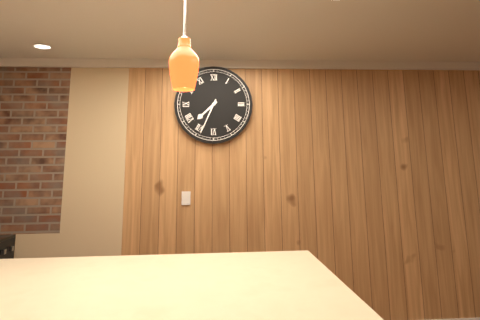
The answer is 7.34
